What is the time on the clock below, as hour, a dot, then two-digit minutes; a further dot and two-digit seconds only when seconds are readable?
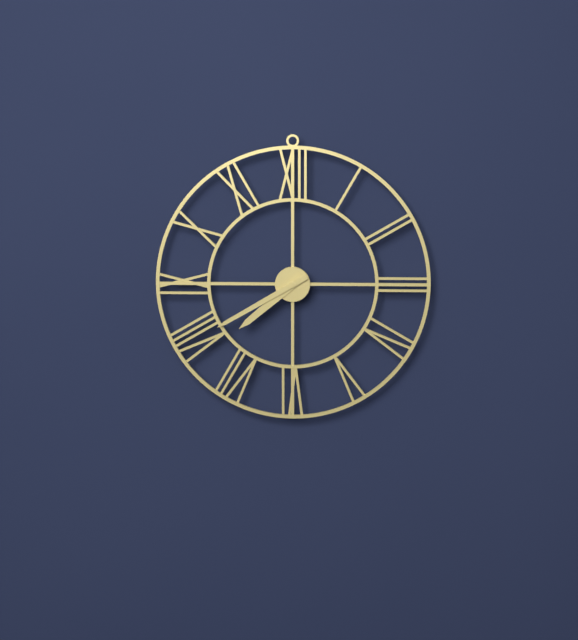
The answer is 7.40
